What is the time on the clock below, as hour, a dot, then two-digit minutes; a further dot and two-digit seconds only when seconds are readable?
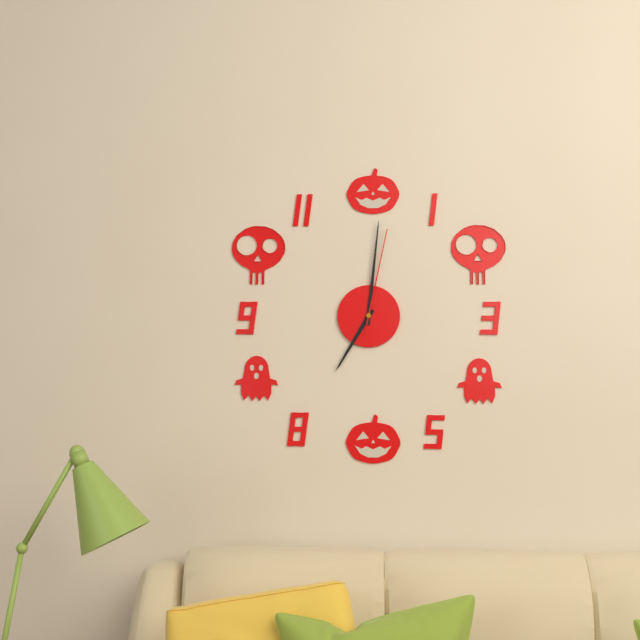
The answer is 7.01.02
